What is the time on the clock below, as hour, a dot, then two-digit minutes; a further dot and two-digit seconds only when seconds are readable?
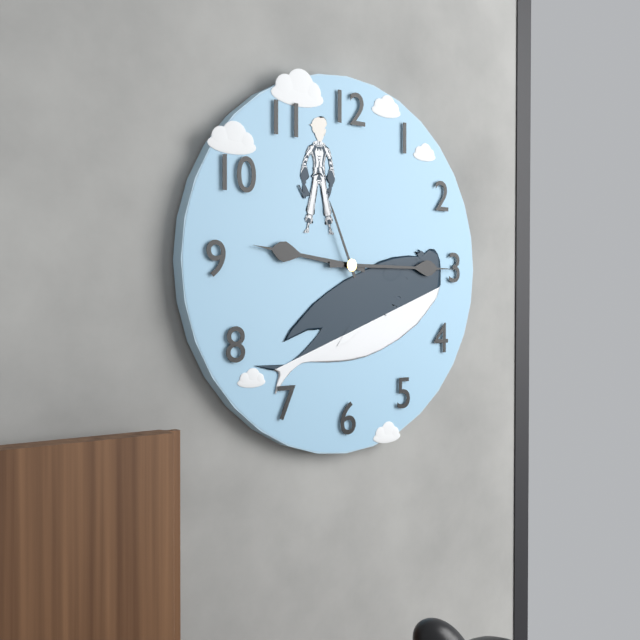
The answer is 9.15.56
